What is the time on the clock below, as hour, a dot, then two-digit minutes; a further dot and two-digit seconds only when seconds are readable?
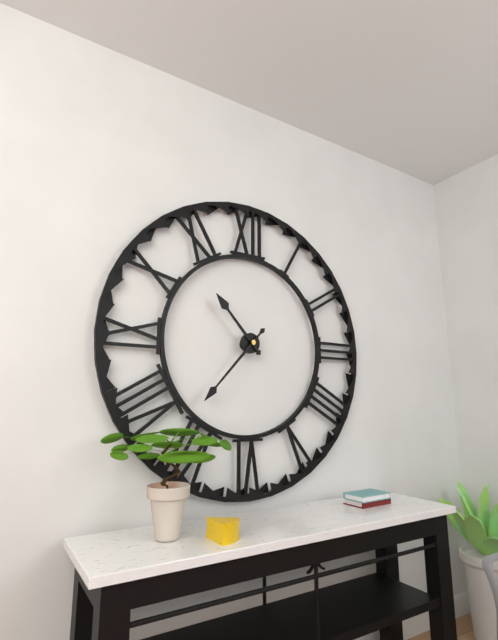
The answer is 10.37
